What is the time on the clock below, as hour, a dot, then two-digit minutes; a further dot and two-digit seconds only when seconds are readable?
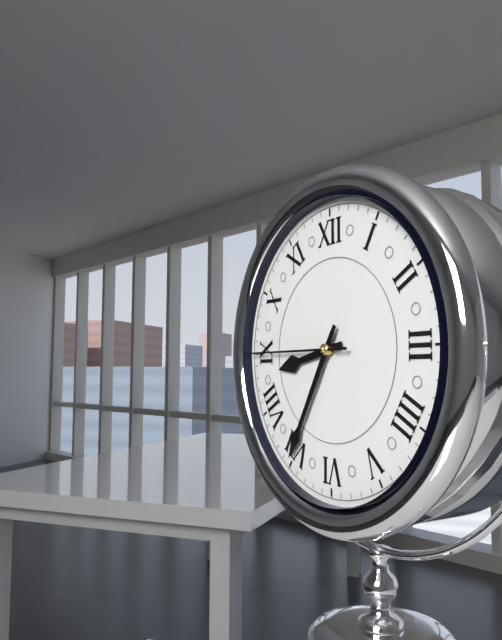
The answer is 8.35.45
